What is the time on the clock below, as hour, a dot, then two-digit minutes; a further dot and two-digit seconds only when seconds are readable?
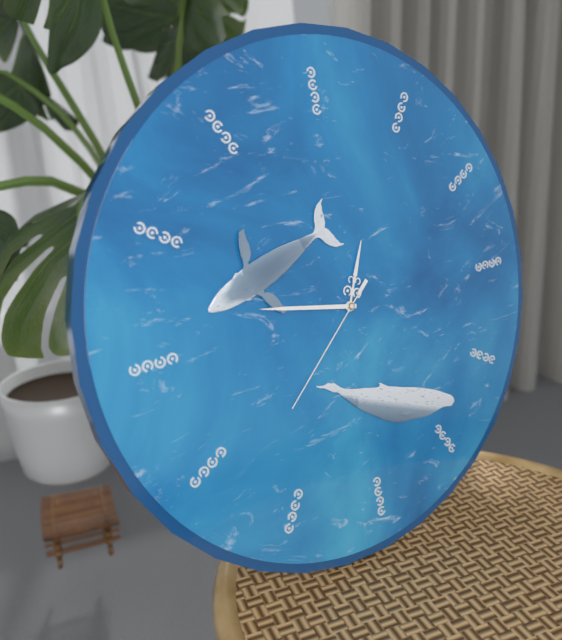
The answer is 12.47.38
